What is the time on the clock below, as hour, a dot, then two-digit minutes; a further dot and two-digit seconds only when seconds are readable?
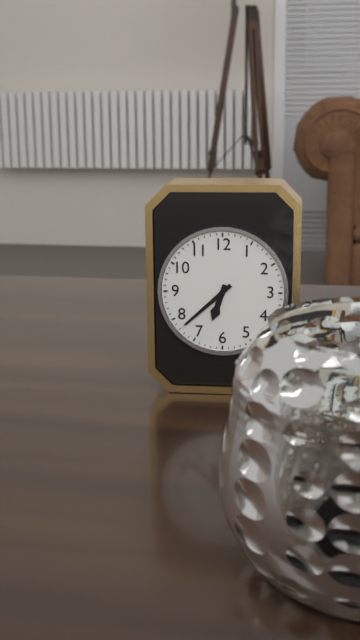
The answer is 6.38
